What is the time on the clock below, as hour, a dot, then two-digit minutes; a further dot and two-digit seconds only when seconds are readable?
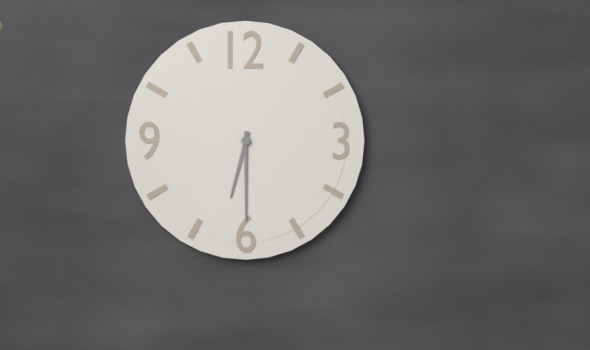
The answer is 6.30
